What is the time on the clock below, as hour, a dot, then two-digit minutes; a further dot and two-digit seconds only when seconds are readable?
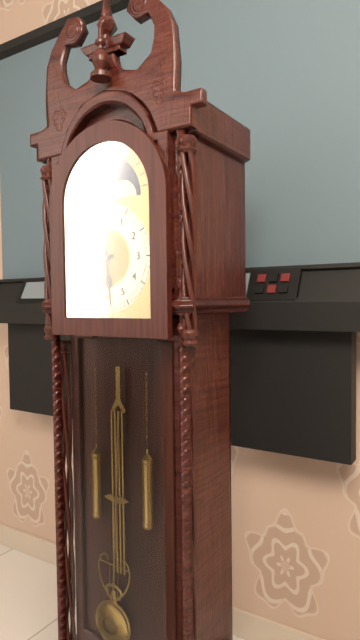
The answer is 8.29
